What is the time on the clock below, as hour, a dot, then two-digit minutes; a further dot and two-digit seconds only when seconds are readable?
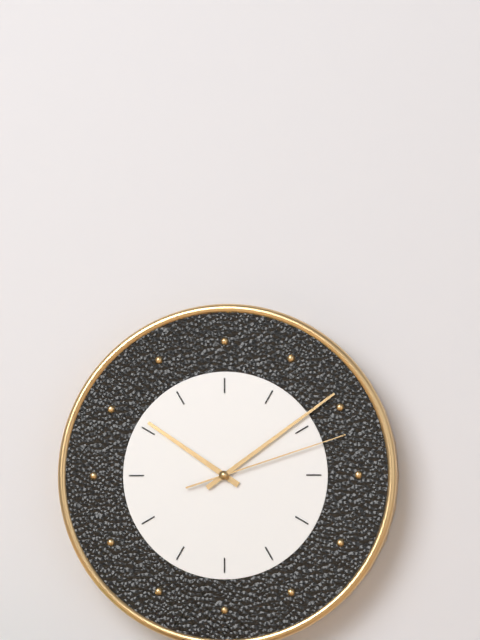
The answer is 10.09.12
